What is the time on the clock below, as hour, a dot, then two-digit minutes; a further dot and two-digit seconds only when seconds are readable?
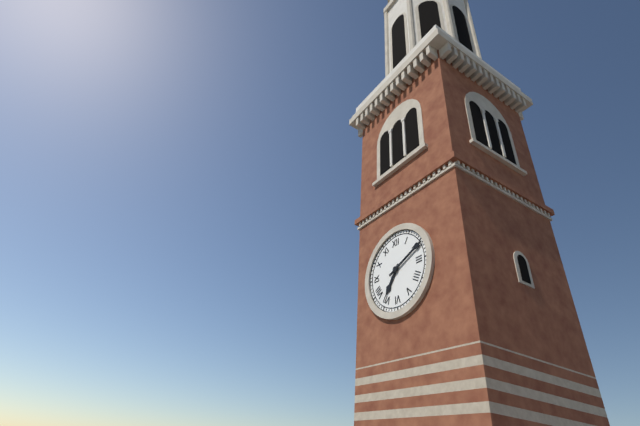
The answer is 7.11
